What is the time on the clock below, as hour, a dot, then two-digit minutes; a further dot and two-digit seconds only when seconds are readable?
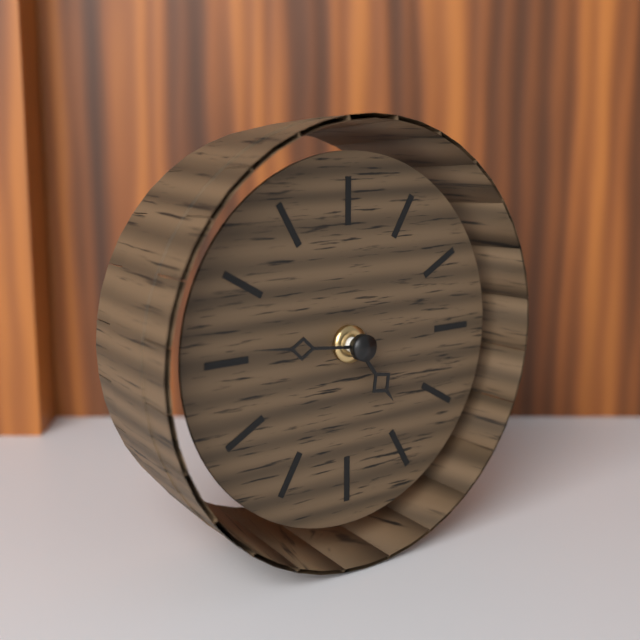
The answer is 4.46
